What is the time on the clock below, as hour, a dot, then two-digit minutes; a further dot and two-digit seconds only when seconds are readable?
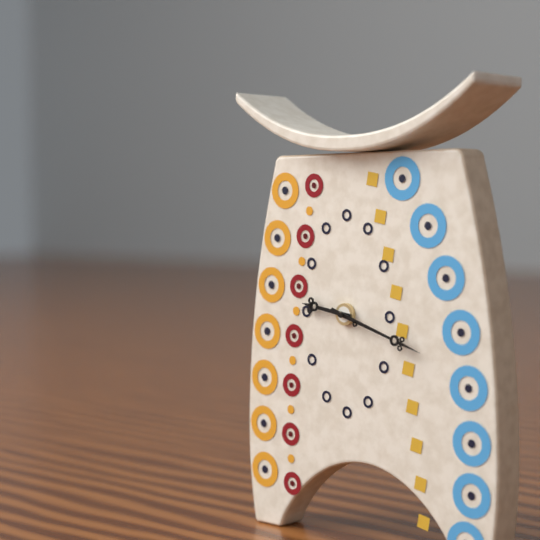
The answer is 9.18
